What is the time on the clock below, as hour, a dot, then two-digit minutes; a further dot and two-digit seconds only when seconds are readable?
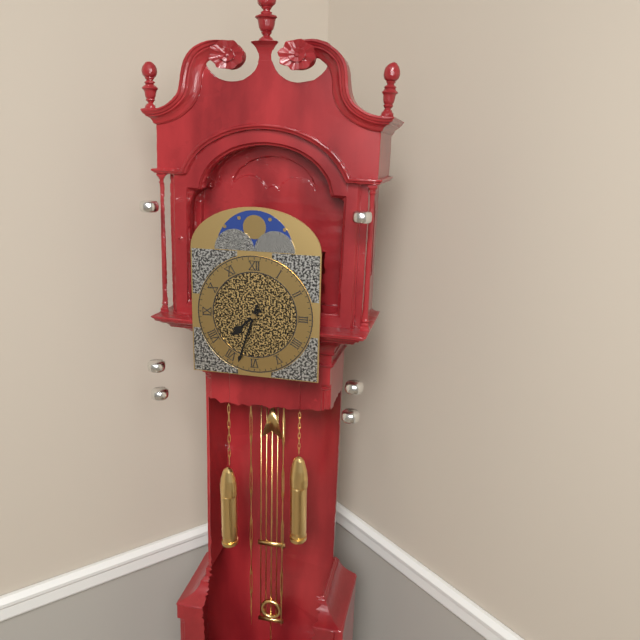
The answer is 7.33
